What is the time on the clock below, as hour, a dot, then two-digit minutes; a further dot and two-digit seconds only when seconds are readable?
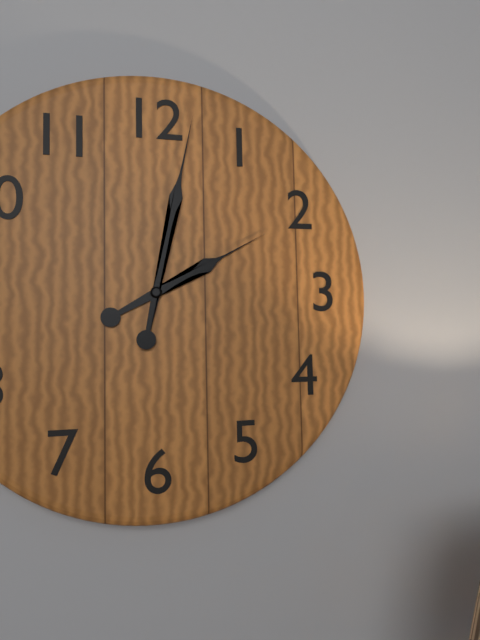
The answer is 2.02
